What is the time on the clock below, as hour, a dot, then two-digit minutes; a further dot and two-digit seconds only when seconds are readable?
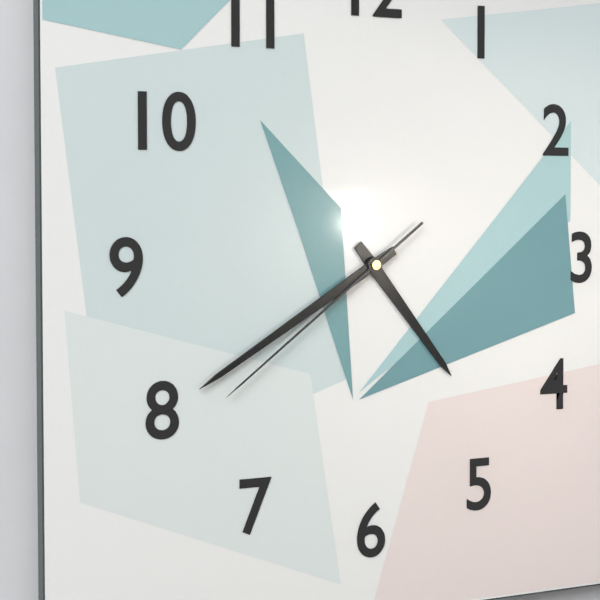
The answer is 4.40.39
